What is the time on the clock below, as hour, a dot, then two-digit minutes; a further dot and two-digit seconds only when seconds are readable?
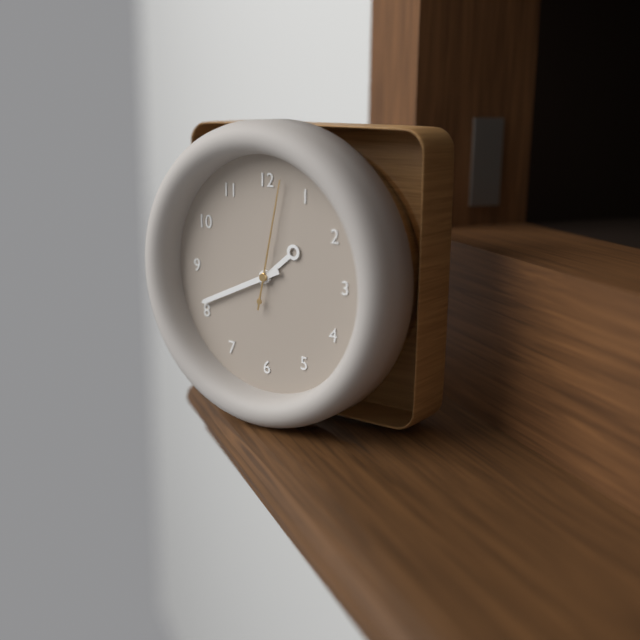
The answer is 1.41.02
